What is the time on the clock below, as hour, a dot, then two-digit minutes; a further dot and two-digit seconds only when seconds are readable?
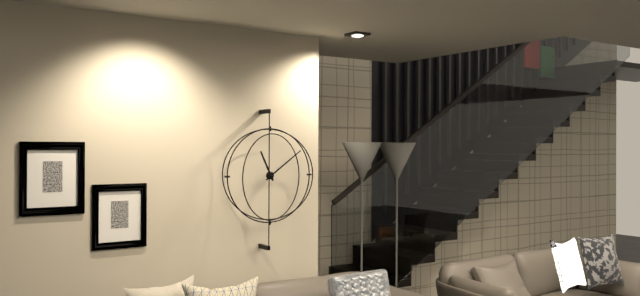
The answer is 11.09
